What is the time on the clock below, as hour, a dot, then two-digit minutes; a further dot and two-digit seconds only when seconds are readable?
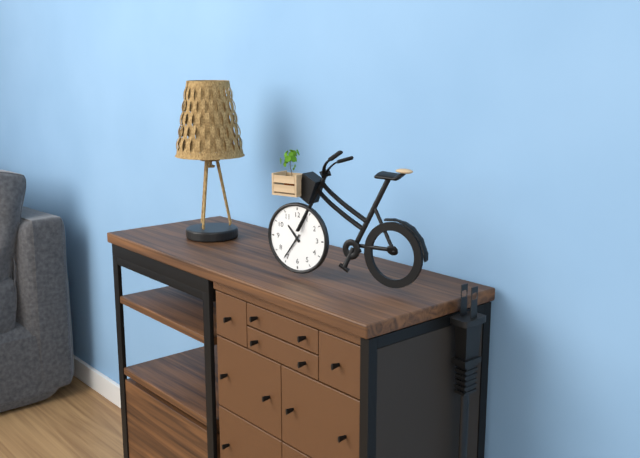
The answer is 10.36
